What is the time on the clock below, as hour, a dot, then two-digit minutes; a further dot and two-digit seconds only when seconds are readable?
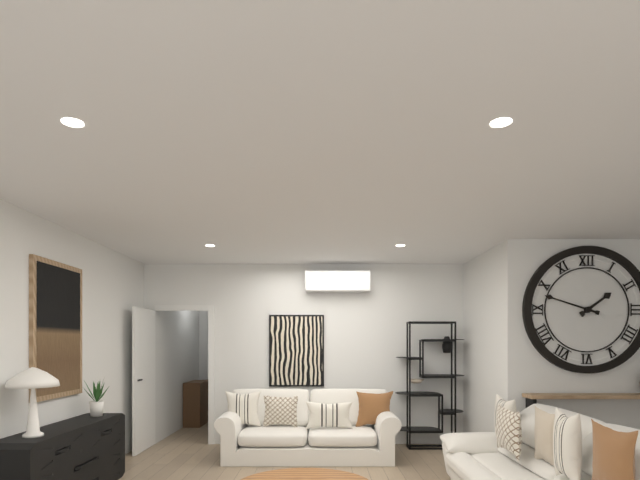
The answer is 1.48
